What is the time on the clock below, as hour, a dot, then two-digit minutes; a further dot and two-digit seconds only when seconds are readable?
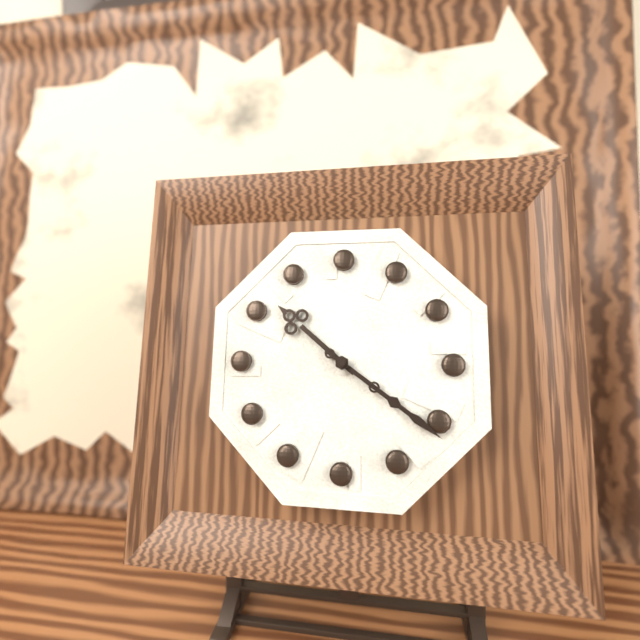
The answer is 10.21
